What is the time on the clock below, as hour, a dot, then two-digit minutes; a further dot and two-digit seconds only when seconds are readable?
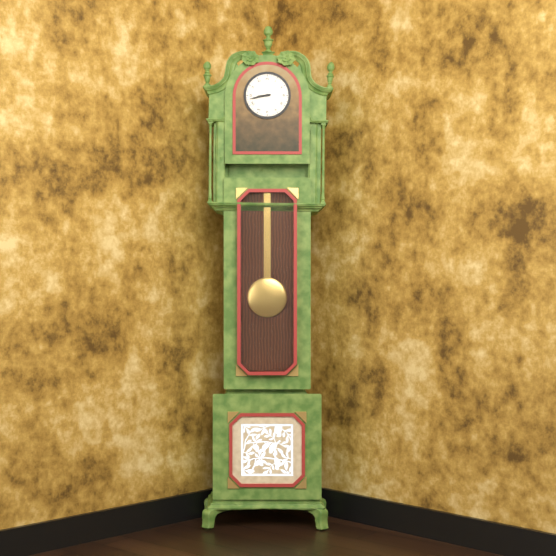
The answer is 8.43
